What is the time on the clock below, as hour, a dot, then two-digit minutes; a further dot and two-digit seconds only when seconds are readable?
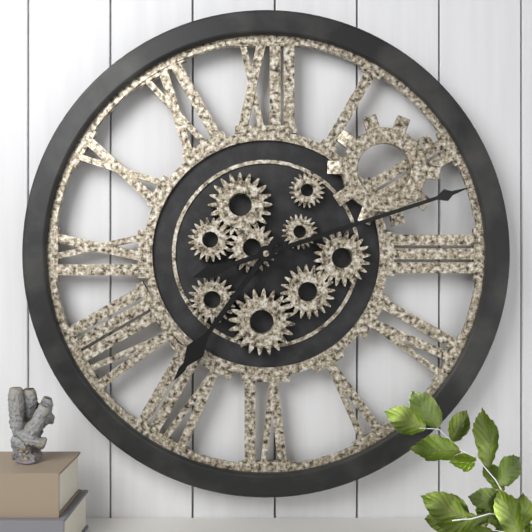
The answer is 7.12
